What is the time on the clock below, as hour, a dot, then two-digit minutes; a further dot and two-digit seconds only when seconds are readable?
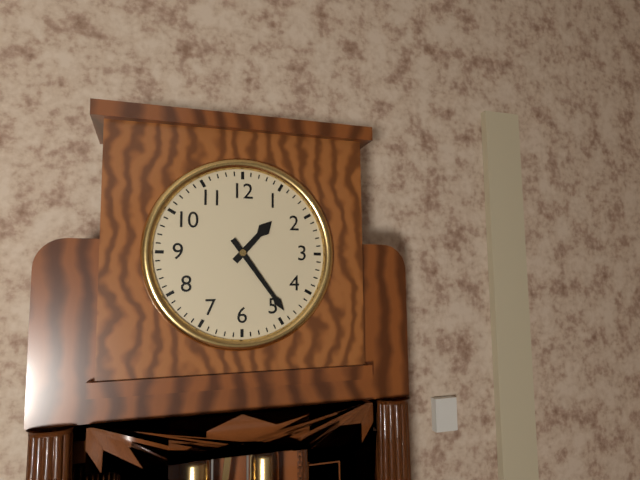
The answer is 1.24
